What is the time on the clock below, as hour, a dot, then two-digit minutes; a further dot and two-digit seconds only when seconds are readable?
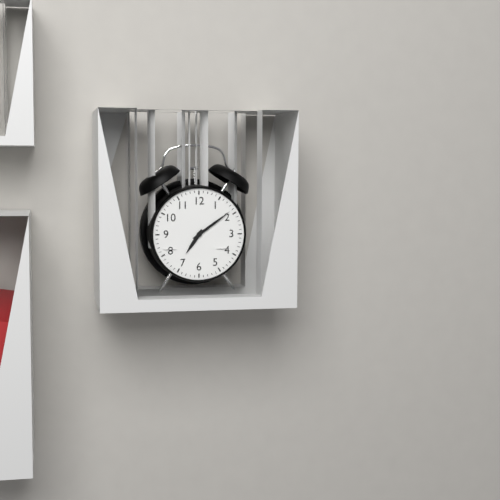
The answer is 7.09
